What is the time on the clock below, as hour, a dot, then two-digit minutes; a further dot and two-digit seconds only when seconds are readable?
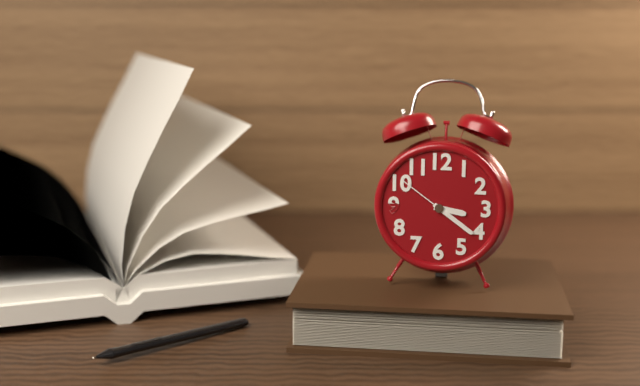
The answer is 3.21.51
